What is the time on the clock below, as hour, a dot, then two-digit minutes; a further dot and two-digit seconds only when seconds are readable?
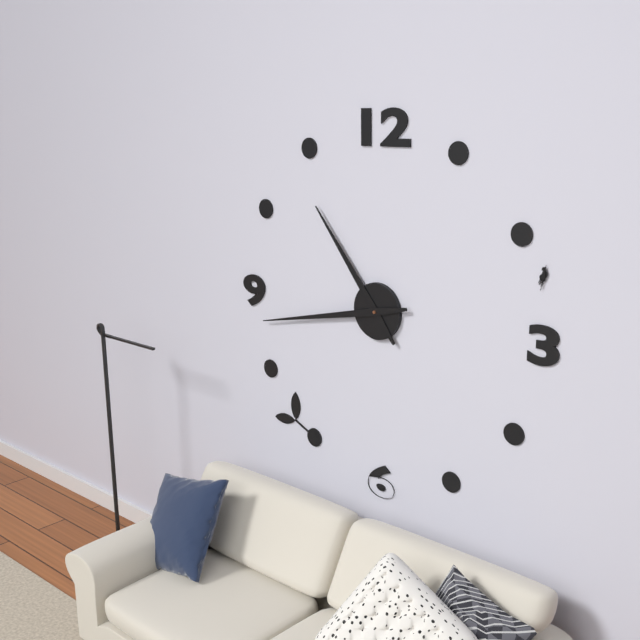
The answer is 10.43
